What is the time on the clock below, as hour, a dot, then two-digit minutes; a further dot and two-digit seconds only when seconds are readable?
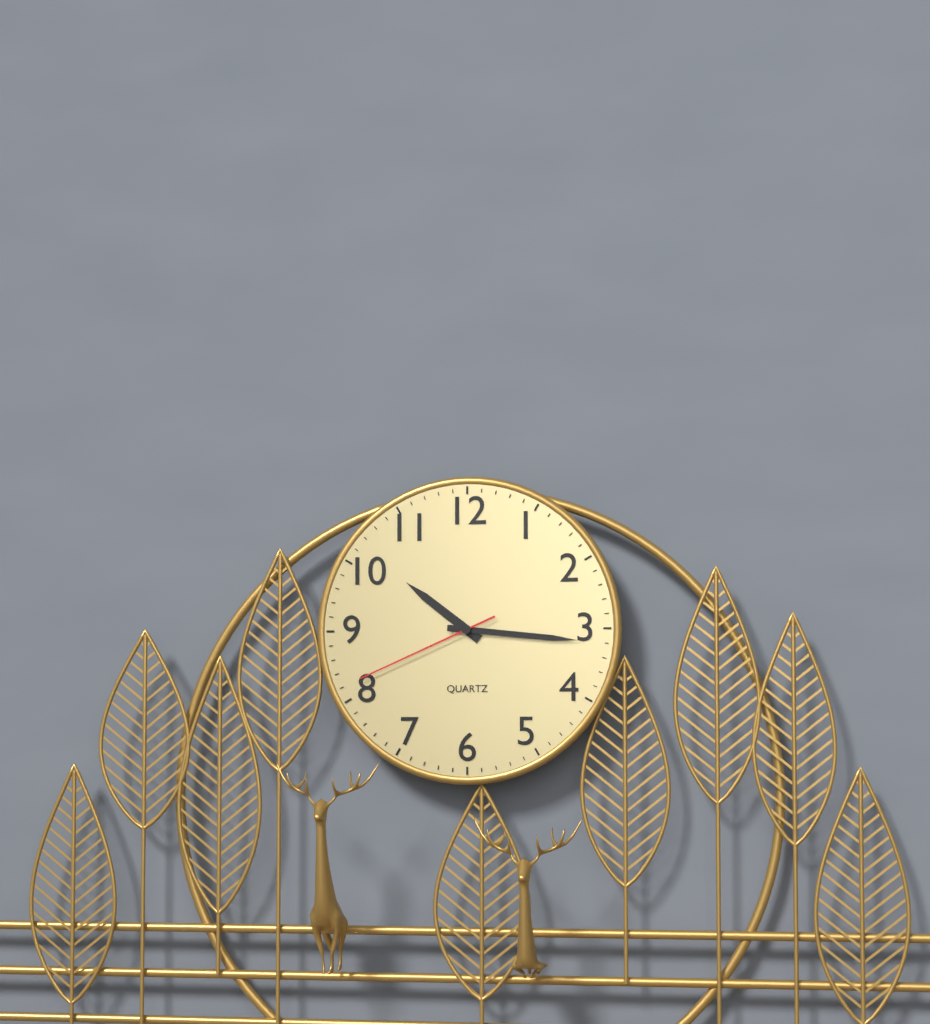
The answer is 10.16.41
